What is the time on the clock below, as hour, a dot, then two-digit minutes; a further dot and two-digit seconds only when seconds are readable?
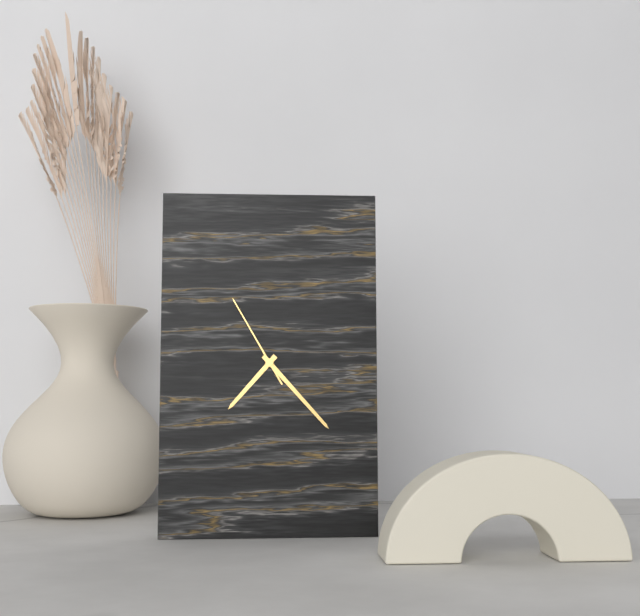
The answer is 7.23.55
